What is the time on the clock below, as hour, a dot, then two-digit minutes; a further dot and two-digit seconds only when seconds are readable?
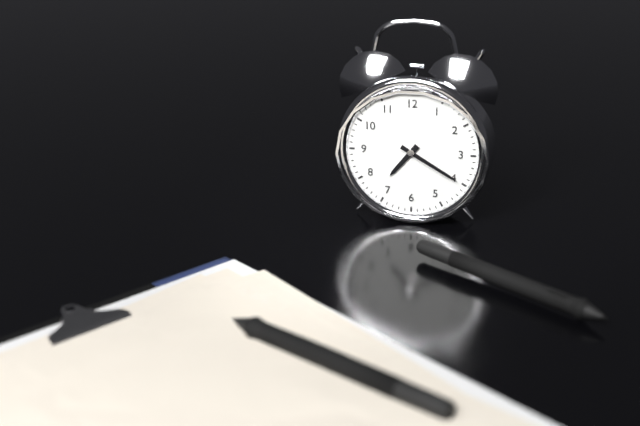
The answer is 7.20
